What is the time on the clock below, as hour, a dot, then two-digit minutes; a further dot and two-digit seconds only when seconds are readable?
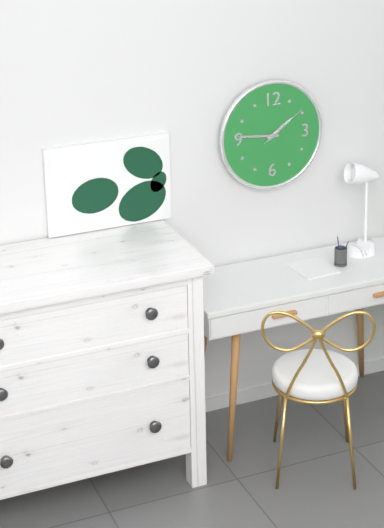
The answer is 1.46.09
